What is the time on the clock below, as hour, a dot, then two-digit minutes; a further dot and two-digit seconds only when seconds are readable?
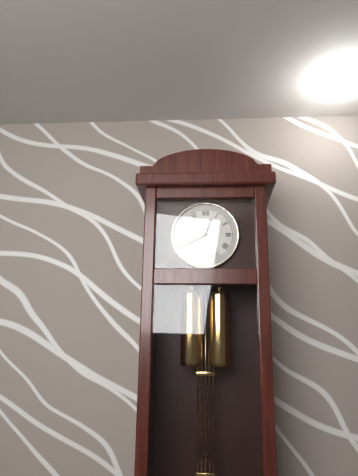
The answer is 12.40
